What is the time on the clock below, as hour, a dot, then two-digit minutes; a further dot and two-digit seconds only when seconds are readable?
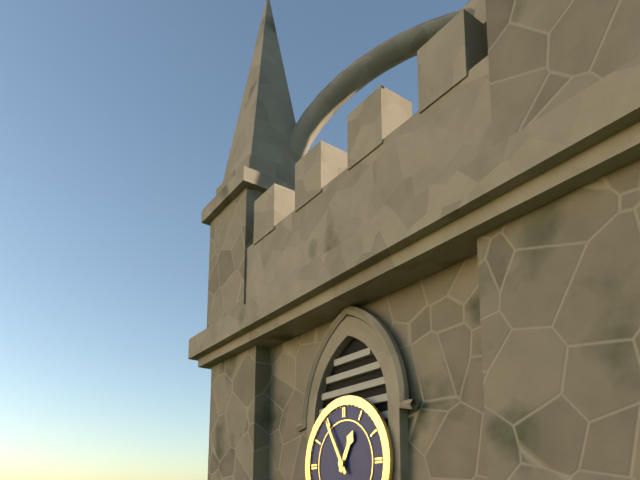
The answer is 12.55
